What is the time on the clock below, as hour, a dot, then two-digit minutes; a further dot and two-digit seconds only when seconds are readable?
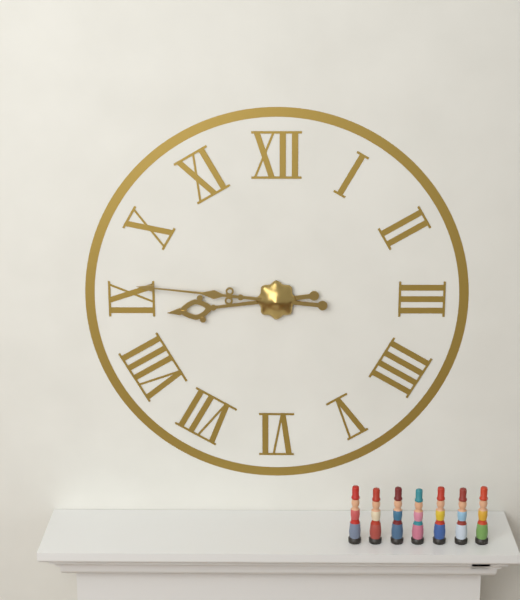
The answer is 8.46
